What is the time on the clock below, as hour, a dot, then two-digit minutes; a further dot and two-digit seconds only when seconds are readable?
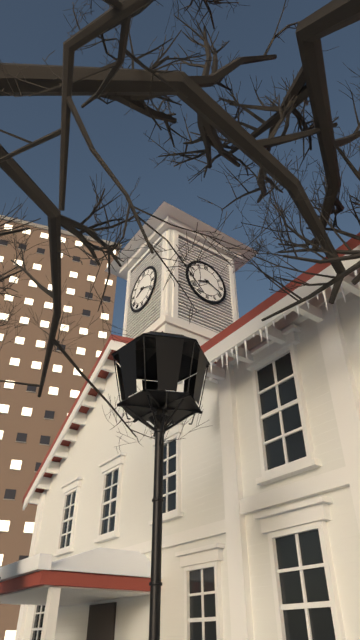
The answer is 8.19
